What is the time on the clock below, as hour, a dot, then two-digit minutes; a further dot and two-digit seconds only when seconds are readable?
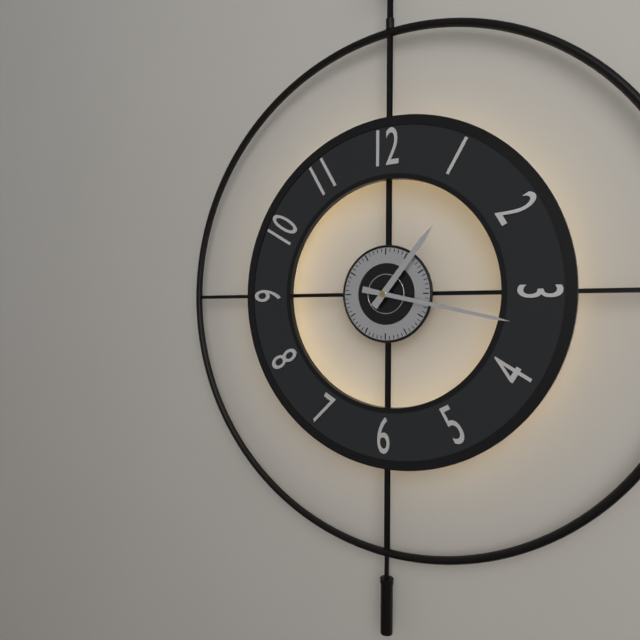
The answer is 1.17
